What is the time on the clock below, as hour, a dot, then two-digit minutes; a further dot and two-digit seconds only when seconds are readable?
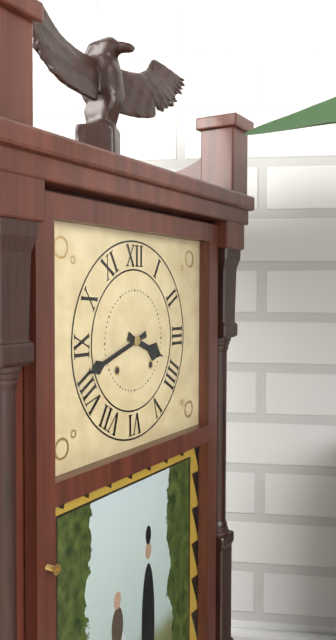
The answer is 3.42
